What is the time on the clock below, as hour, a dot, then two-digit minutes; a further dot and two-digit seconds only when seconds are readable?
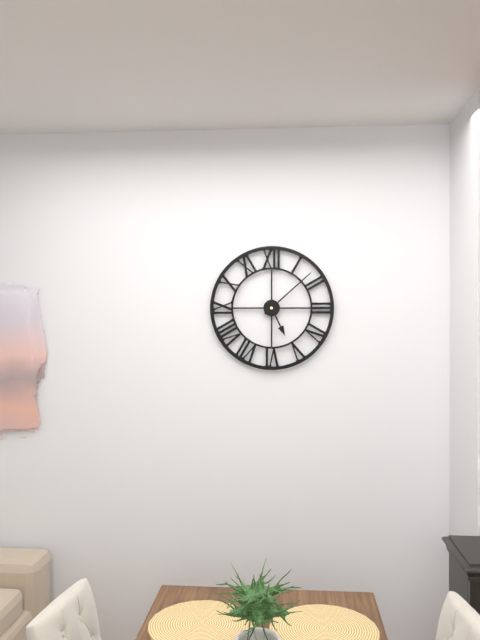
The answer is 5.08
